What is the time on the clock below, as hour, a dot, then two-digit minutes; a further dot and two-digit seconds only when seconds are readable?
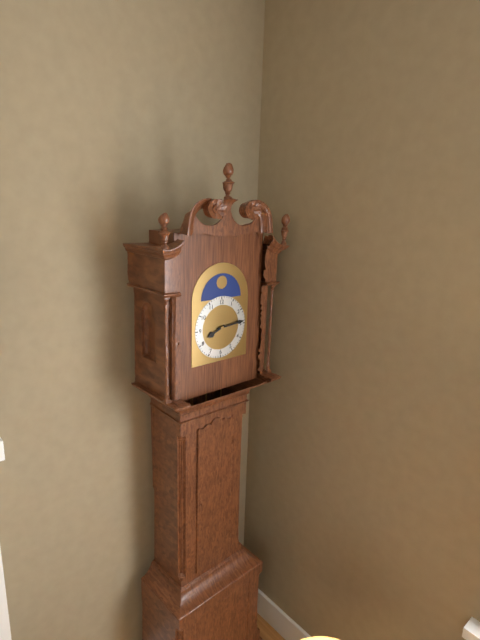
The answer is 8.14
